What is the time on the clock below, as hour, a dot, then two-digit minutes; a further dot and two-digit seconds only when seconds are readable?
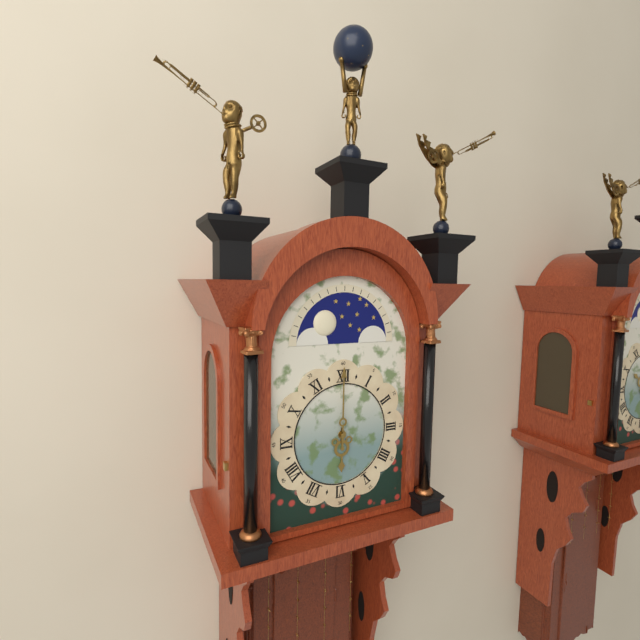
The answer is 6.00
